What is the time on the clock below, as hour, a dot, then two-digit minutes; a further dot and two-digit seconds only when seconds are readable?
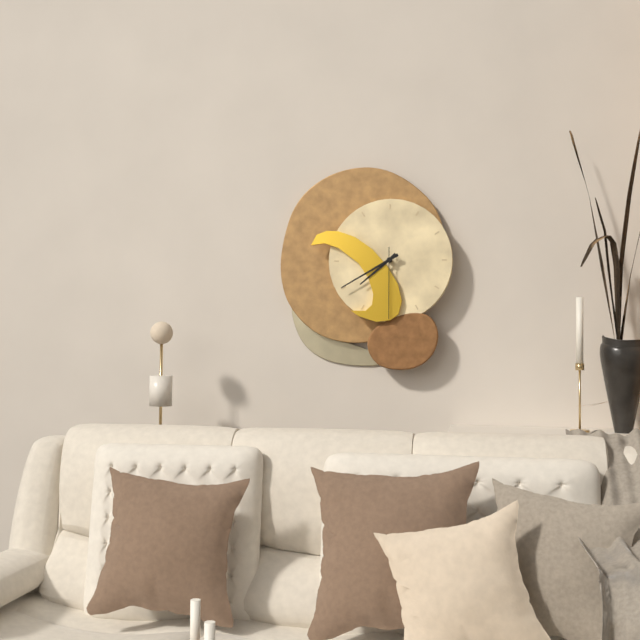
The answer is 7.40.30
